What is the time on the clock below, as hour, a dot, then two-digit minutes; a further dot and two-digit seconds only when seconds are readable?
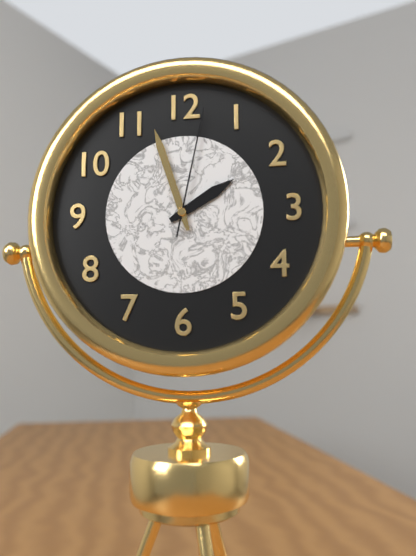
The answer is 1.57.02
